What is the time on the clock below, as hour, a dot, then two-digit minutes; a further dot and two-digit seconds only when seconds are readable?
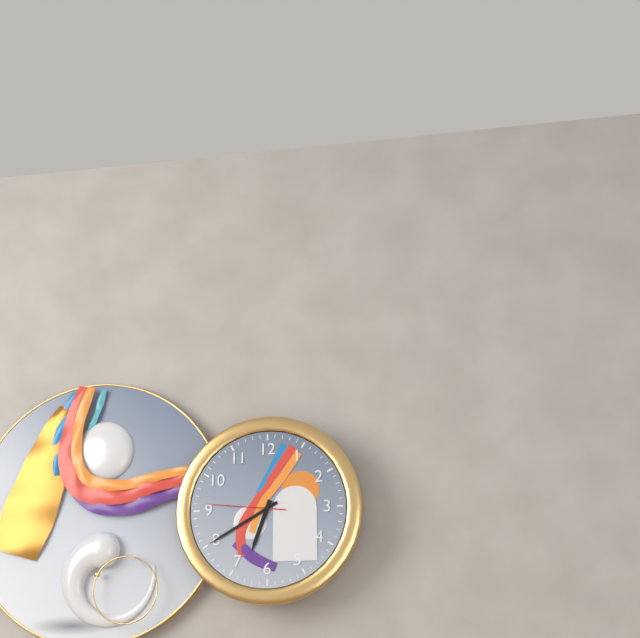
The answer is 6.40.46
